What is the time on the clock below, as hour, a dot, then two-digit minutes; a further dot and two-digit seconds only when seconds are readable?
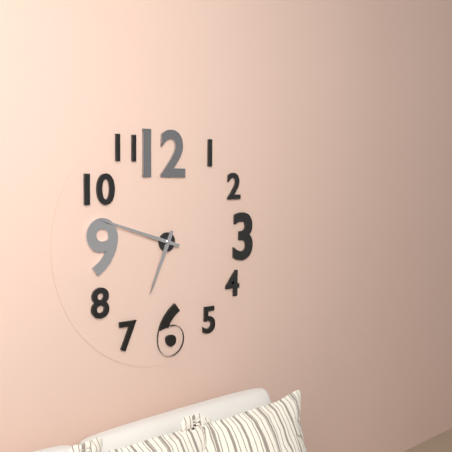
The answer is 6.48
